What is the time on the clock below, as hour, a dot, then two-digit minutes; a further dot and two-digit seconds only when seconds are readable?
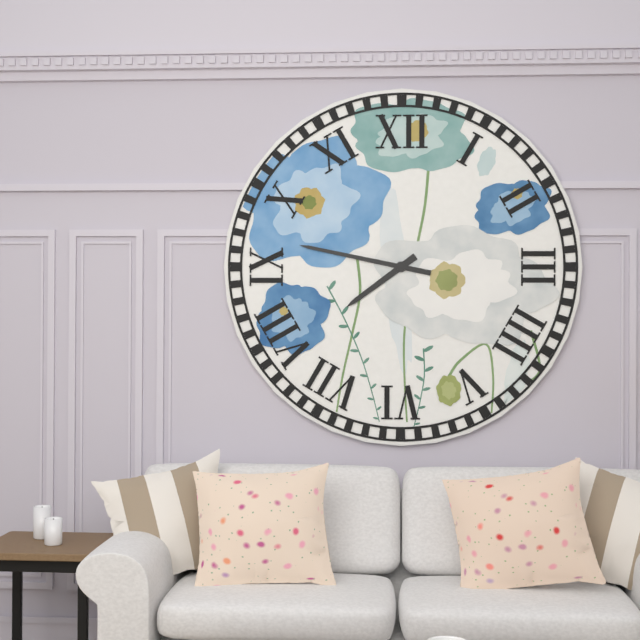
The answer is 7.47
